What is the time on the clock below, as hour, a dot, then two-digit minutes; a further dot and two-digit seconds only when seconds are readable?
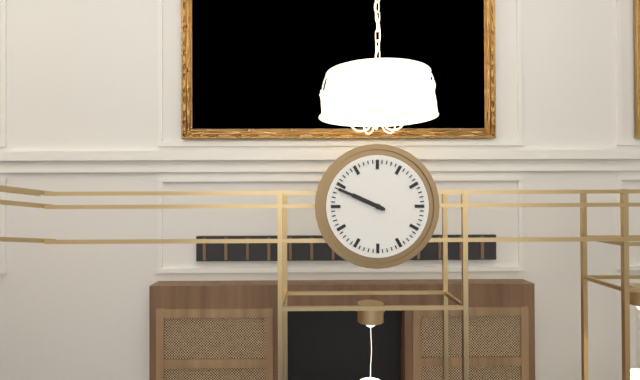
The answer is 9.49
